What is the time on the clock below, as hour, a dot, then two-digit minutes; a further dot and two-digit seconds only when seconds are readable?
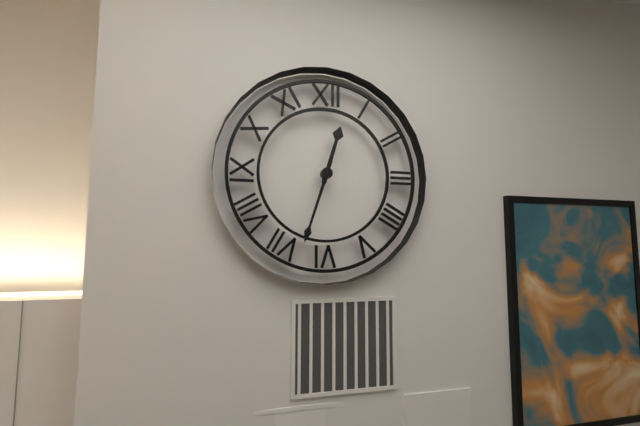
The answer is 12.33
